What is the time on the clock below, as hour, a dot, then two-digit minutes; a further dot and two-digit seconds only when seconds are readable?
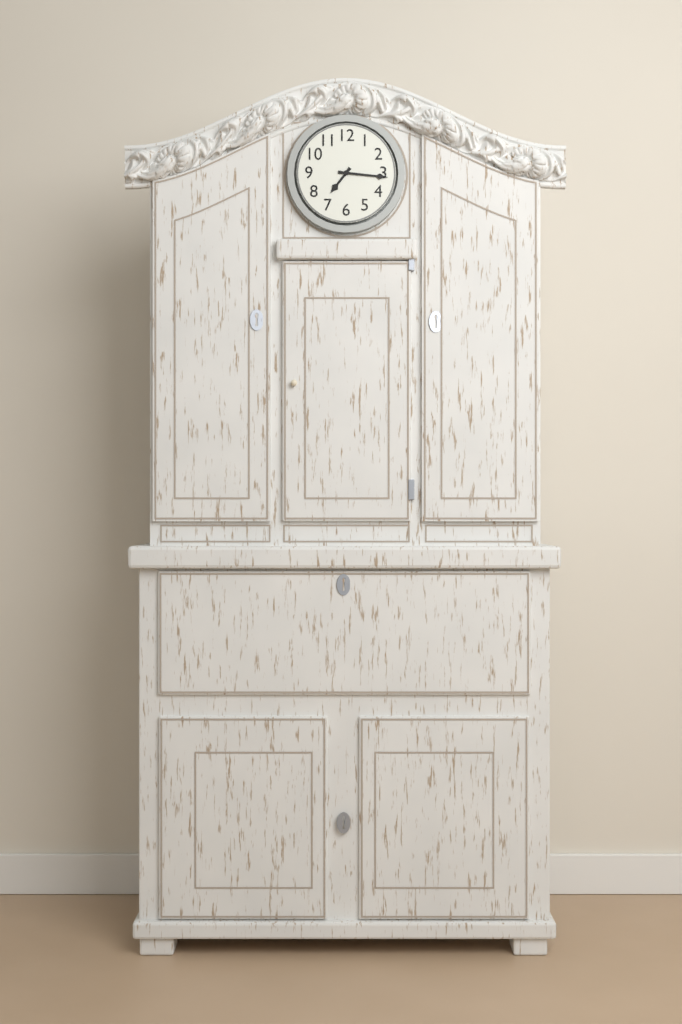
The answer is 7.16
